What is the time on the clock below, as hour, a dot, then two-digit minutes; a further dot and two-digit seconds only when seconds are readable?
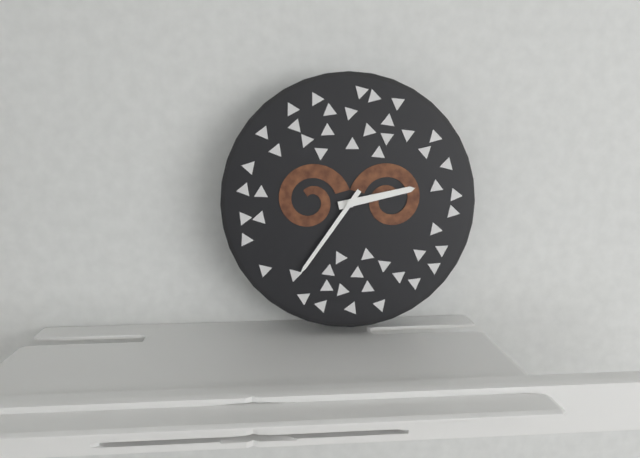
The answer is 2.36
